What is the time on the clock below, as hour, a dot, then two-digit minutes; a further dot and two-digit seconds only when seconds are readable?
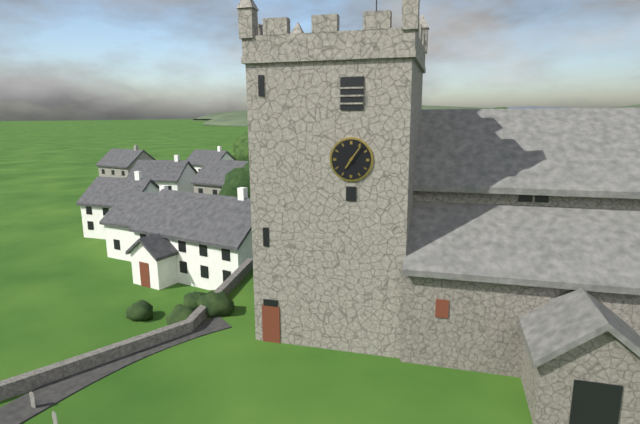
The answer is 7.06
